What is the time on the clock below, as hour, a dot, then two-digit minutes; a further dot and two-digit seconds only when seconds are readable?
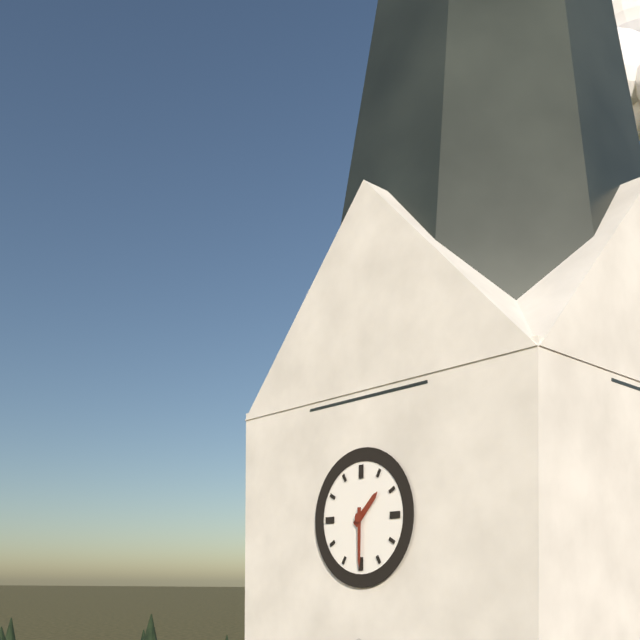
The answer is 1.30
